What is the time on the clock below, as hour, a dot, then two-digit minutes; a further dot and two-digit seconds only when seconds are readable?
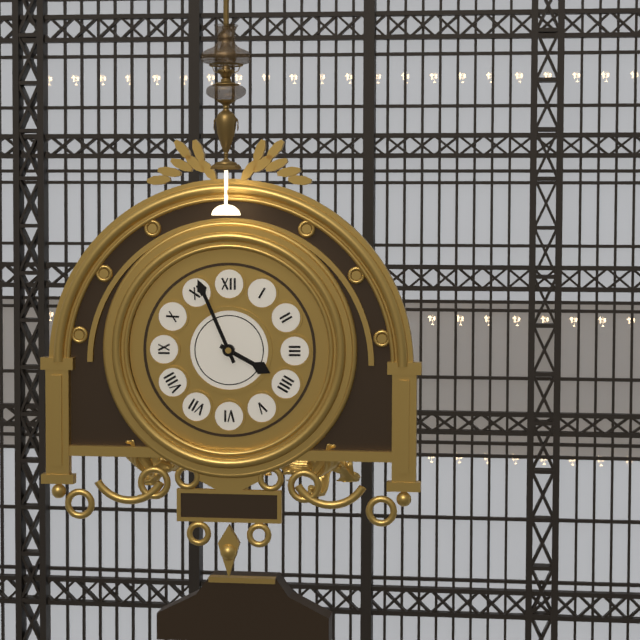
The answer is 3.56
